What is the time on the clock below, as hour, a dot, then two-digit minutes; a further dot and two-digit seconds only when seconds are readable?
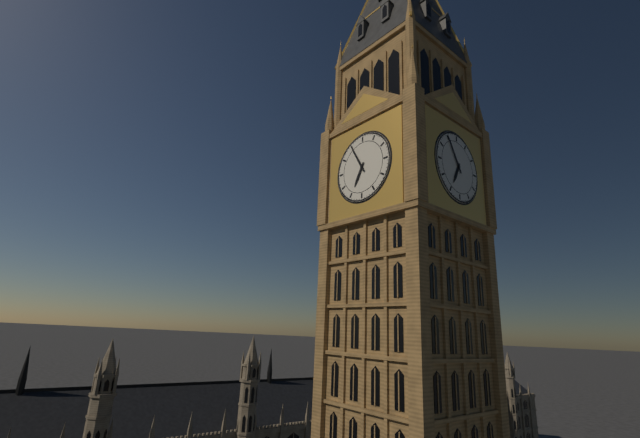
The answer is 6.55
